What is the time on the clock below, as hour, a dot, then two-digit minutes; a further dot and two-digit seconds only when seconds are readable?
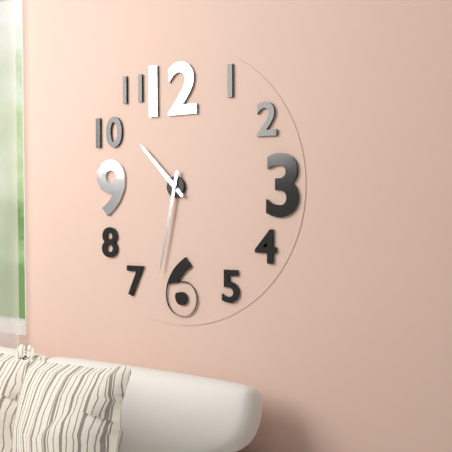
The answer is 10.32
